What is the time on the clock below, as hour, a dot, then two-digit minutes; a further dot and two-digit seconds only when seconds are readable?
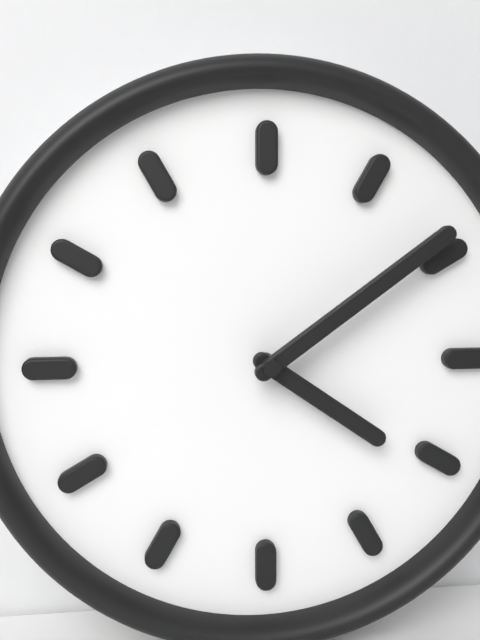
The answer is 4.09
